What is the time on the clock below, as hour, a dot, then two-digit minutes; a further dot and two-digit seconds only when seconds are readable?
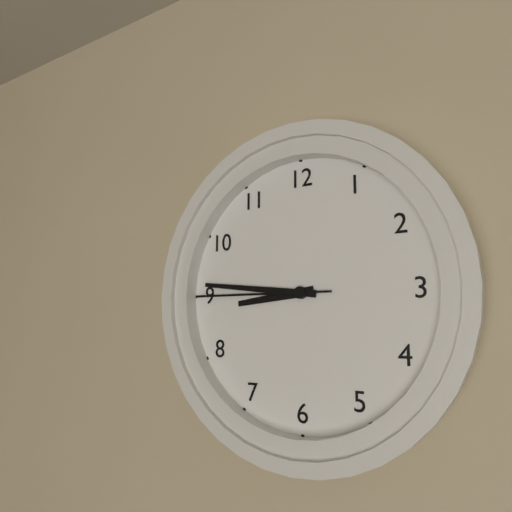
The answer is 8.46.45
